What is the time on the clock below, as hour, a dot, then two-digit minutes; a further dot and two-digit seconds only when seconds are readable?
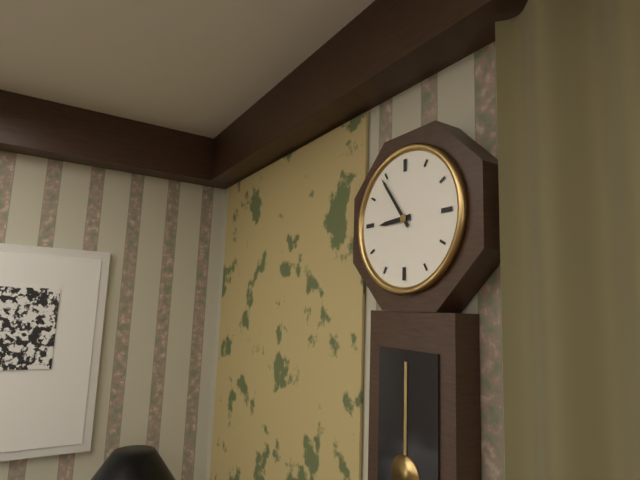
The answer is 8.54
